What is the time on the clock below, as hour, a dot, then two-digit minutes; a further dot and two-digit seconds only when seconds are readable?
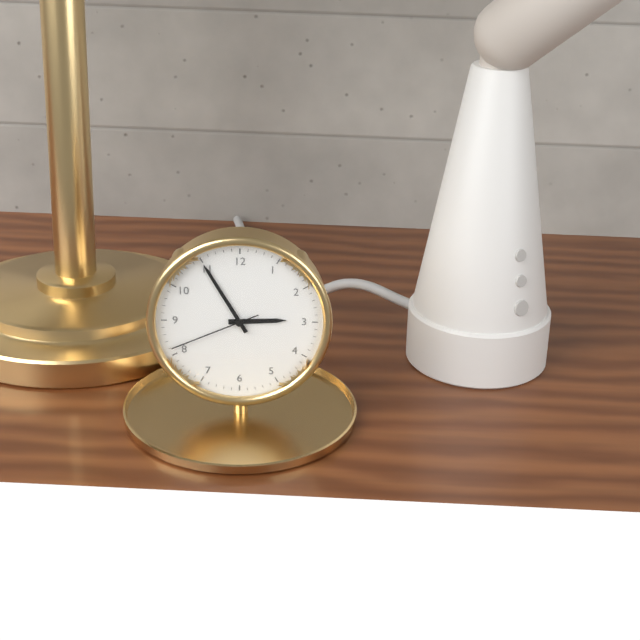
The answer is 2.55.41
